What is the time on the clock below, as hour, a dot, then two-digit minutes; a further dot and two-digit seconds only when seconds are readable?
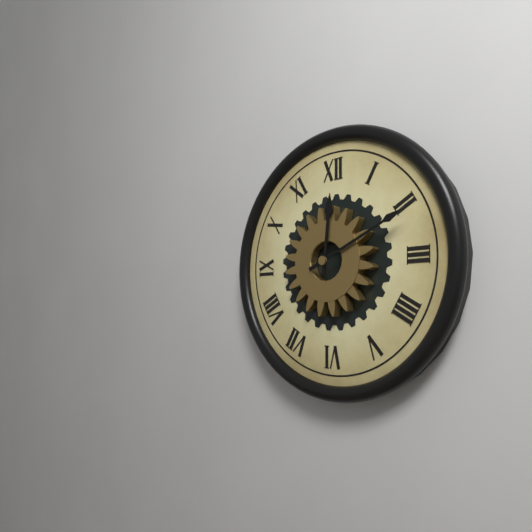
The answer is 12.11
